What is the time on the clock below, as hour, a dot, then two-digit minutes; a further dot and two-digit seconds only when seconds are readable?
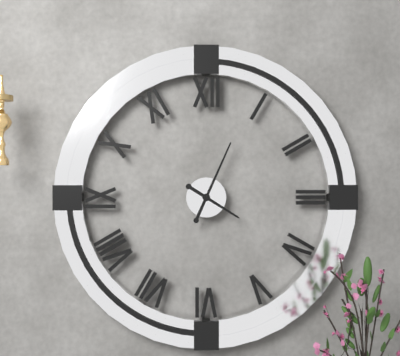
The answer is 4.04
